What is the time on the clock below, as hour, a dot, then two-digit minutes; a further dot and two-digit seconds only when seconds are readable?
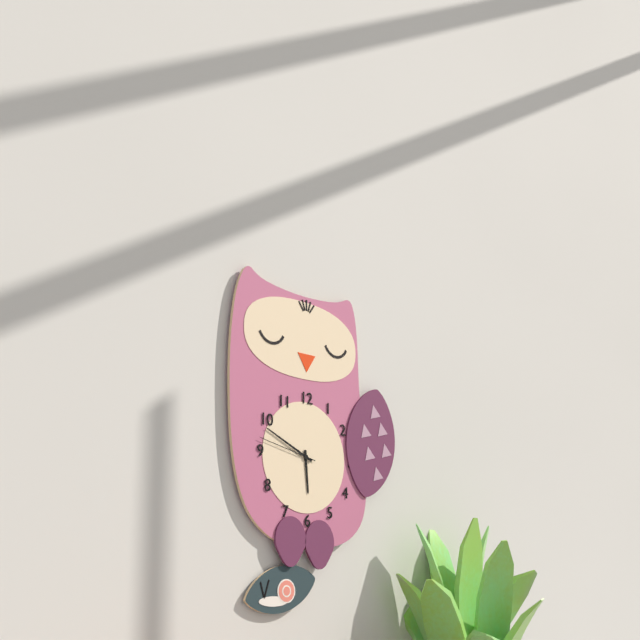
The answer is 5.49.47
